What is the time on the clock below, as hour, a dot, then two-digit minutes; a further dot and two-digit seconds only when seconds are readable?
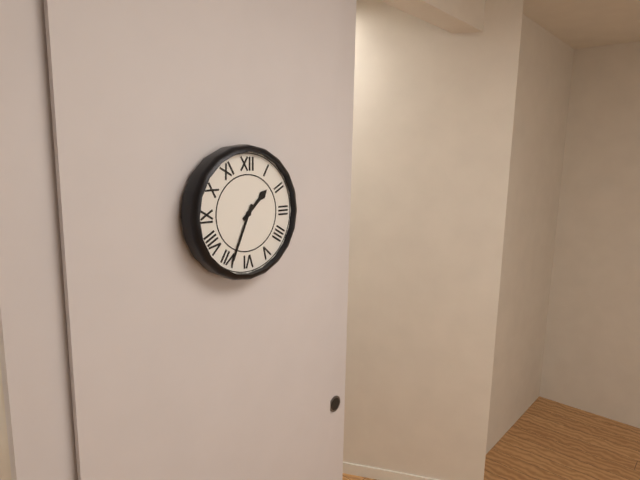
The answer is 1.34
